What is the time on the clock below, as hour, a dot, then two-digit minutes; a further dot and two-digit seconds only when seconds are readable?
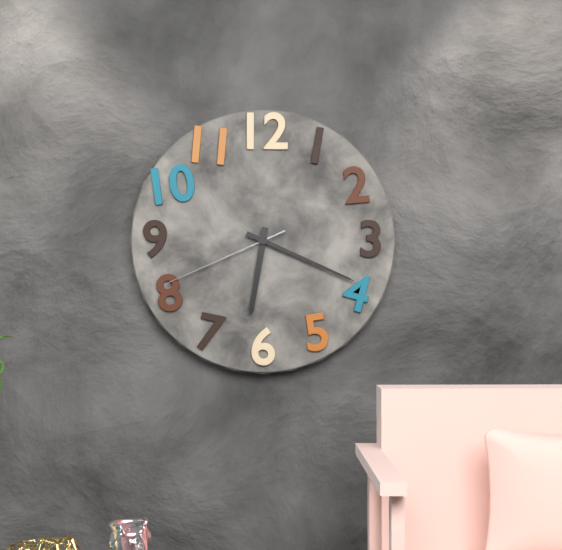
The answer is 6.19.41
